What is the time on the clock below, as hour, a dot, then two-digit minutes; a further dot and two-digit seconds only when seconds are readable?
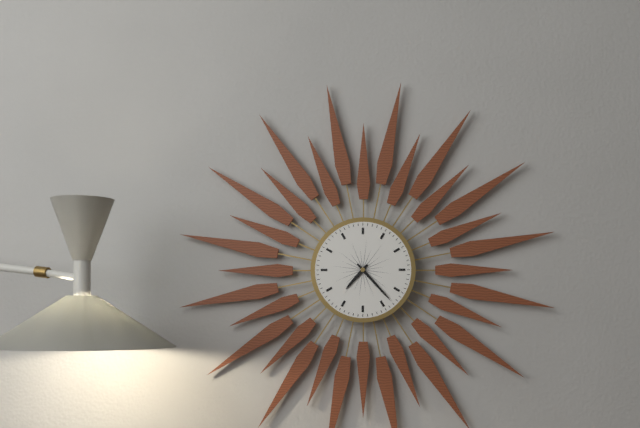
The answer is 7.23
